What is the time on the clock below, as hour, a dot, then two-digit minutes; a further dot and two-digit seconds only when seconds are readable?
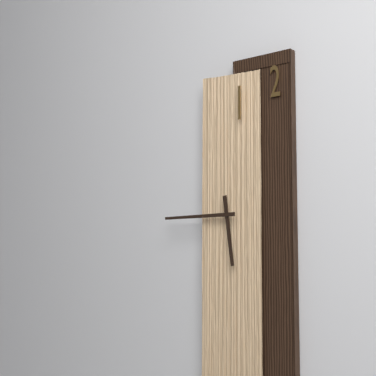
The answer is 5.45
